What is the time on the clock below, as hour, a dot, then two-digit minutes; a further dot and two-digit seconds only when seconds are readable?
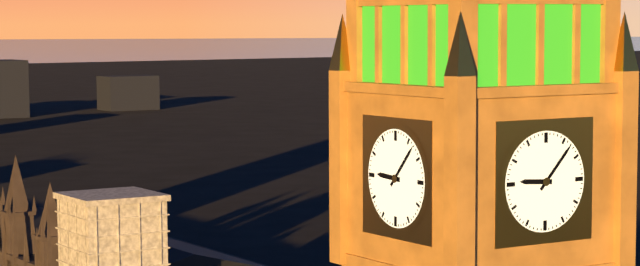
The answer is 9.07
